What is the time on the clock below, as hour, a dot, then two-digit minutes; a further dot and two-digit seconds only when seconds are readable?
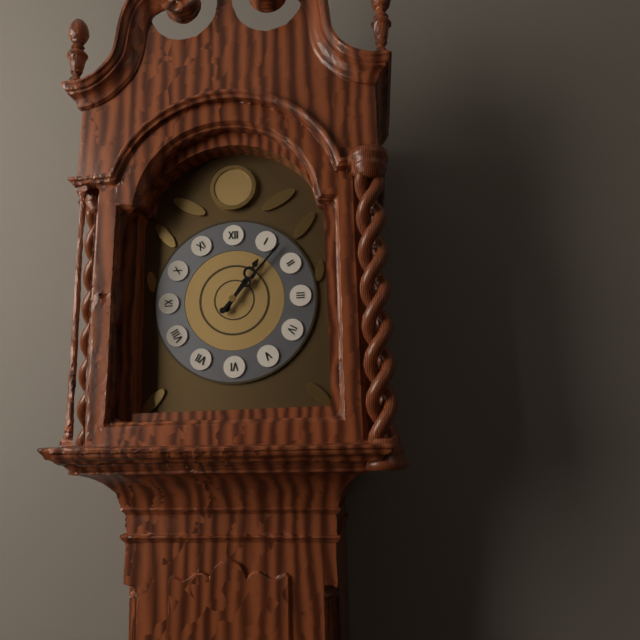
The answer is 1.07
